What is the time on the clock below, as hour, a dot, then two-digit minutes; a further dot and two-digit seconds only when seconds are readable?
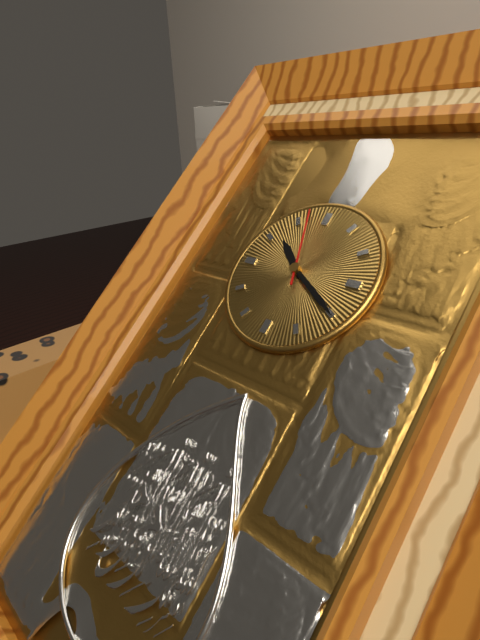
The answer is 10.20.57
